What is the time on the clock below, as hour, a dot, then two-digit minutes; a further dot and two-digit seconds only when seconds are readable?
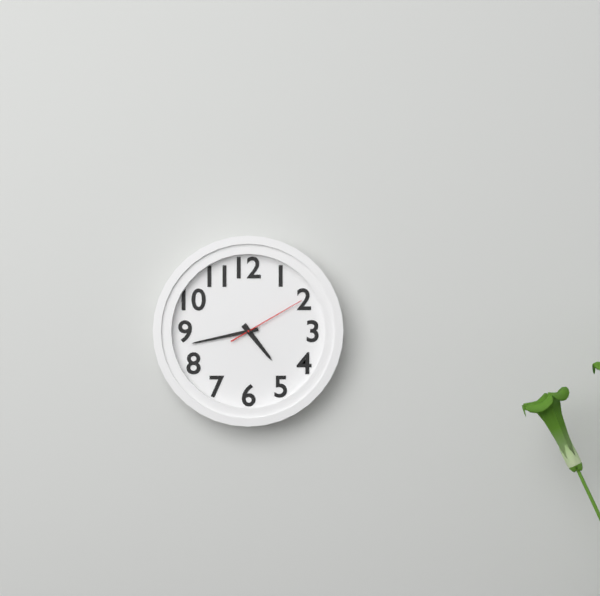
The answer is 4.43.10
